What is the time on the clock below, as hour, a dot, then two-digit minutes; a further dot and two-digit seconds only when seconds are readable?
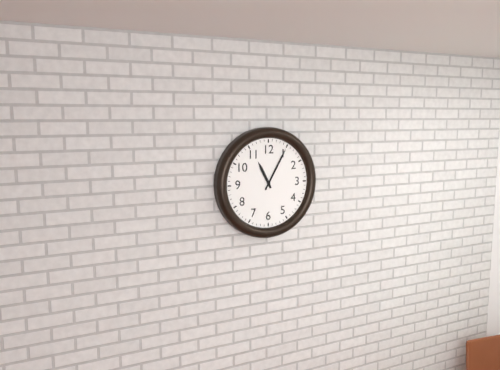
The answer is 11.05
